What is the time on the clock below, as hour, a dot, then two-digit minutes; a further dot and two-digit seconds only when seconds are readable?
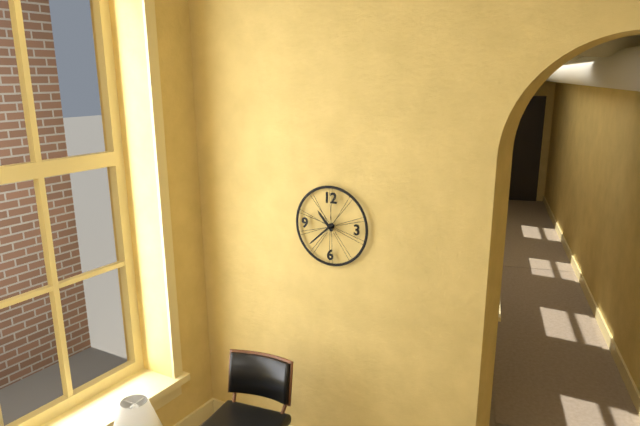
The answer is 10.38
